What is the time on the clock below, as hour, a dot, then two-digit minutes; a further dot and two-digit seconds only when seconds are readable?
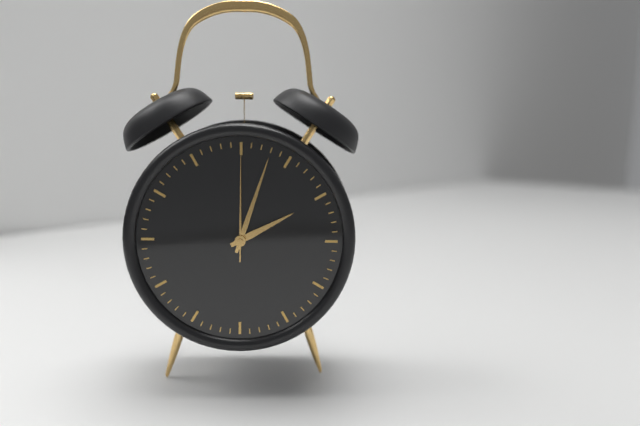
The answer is 2.03.00
